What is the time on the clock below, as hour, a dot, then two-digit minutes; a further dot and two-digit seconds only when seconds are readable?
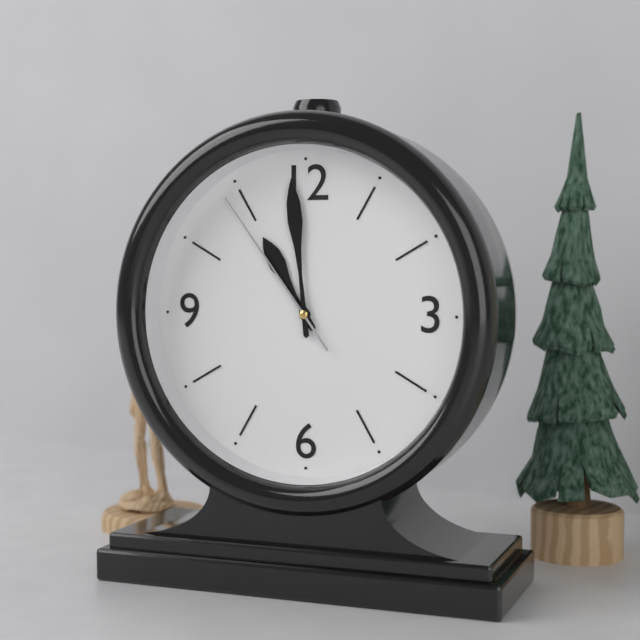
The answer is 10.59.54
